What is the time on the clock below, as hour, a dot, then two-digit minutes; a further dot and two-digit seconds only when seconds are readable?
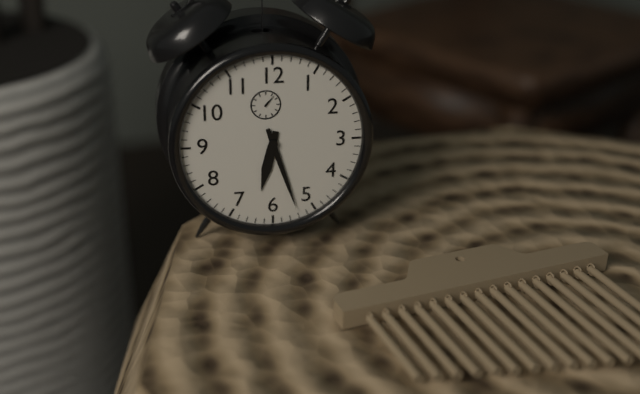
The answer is 6.27
